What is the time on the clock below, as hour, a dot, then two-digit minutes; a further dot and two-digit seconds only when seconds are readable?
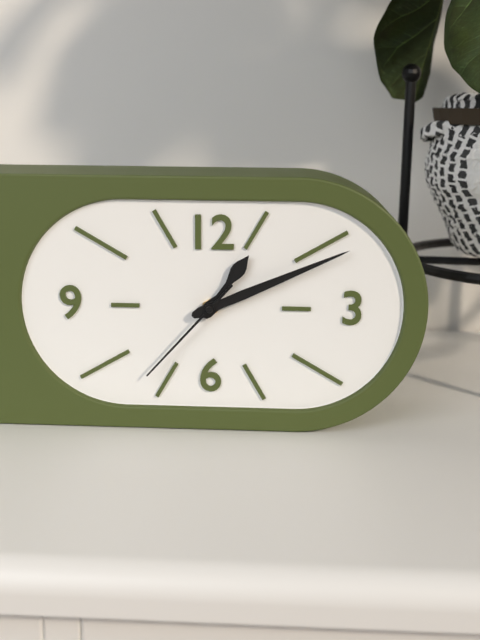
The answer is 1.11.37
